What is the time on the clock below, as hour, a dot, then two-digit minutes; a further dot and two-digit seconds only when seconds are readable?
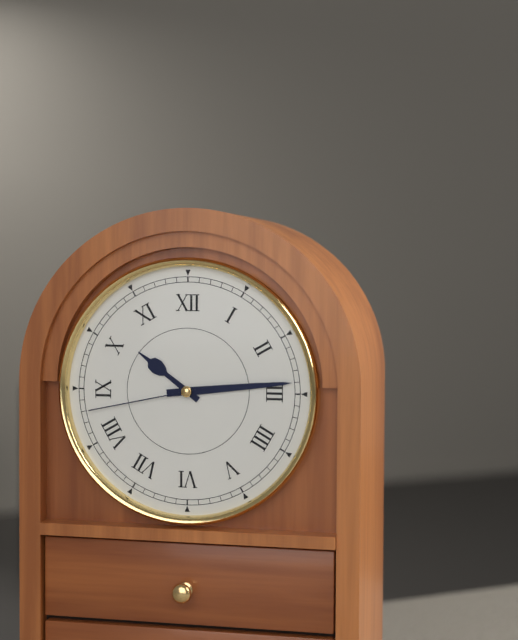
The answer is 10.14.43
